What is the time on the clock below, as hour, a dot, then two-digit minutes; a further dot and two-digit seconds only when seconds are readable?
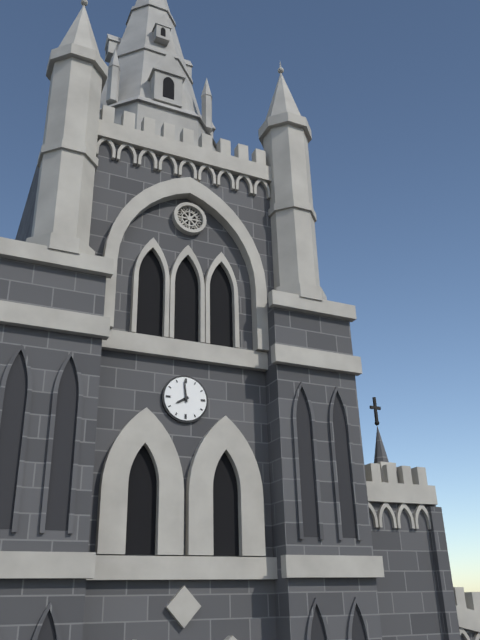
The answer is 7.59
